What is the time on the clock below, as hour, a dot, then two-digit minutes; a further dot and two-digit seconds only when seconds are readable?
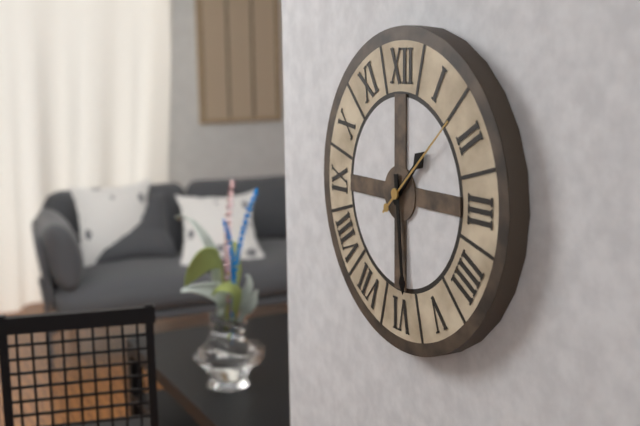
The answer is 1.29.08
